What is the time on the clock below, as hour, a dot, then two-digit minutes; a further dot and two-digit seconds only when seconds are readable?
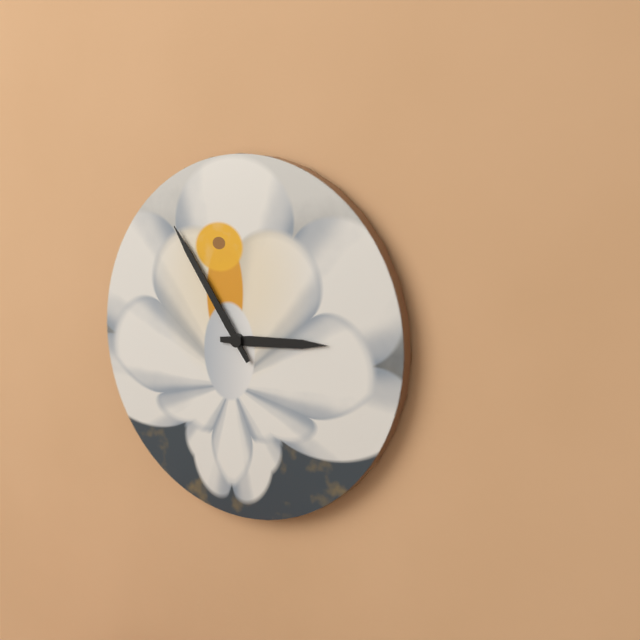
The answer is 2.54
